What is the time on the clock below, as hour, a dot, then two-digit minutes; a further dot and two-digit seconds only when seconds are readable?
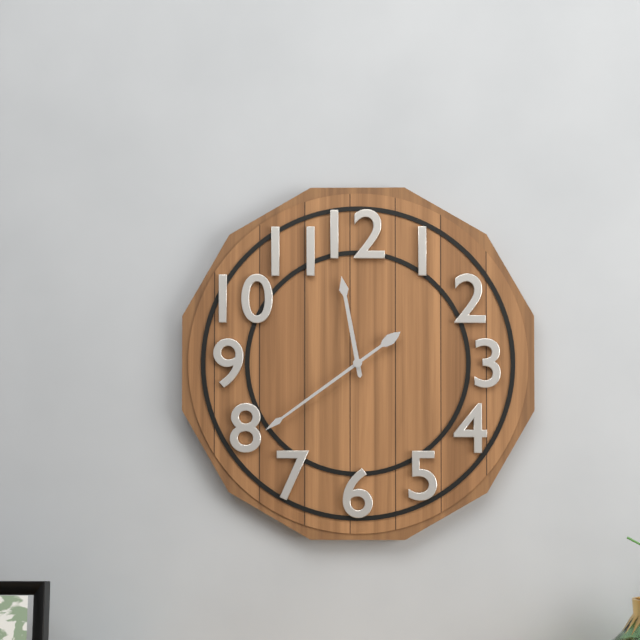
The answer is 11.39
